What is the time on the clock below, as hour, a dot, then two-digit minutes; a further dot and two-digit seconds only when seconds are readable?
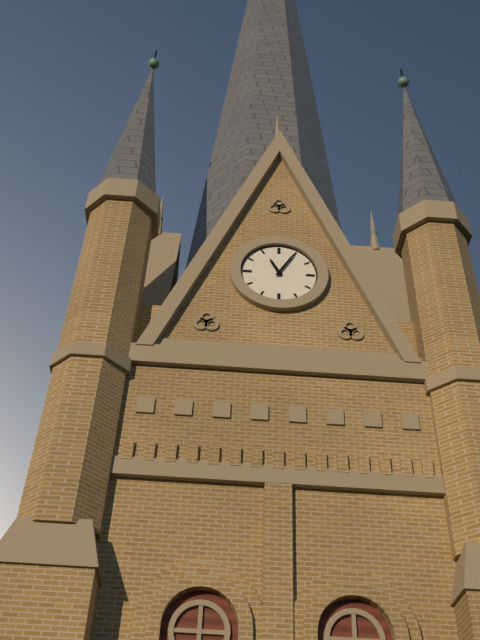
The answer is 11.05
